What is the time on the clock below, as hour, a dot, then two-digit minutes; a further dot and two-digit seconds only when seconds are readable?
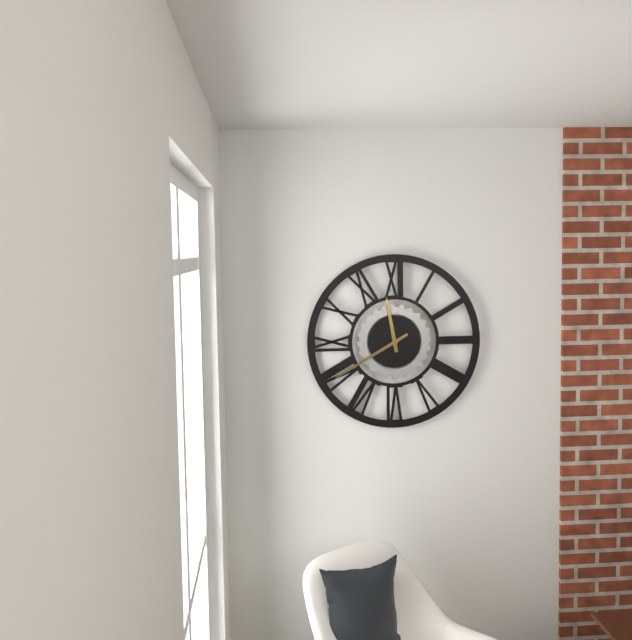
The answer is 11.40
